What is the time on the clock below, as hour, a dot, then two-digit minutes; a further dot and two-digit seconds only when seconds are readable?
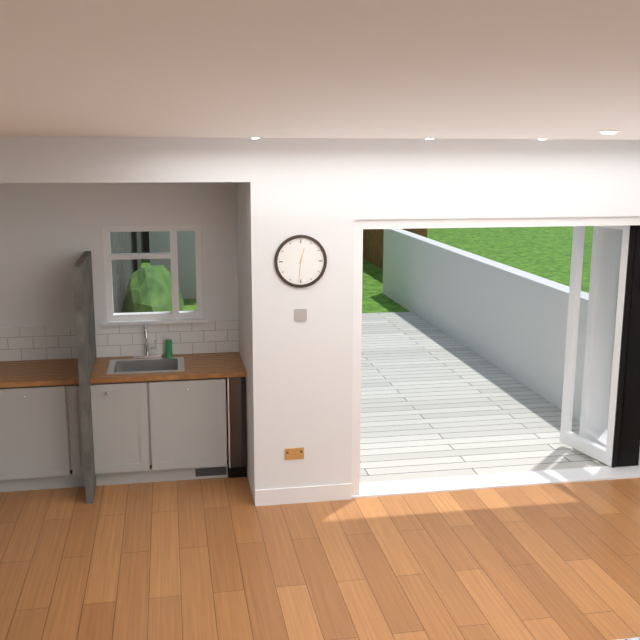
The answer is 12.31
